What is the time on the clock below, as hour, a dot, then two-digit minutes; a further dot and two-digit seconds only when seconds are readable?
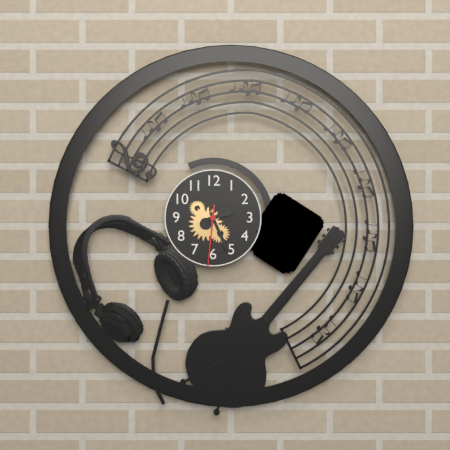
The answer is 2.26.31
